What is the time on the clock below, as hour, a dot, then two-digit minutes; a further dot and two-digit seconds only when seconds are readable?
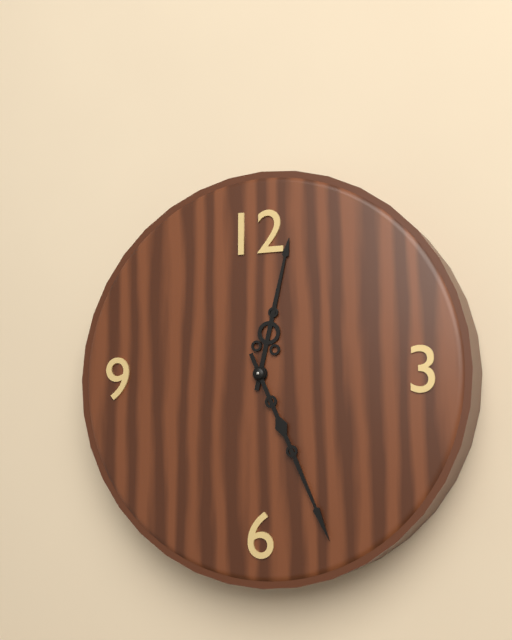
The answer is 12.26
